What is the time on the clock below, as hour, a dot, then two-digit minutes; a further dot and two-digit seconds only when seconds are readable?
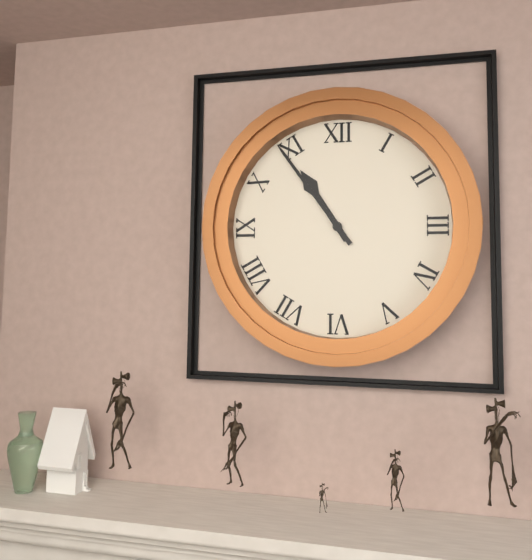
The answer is 10.54
